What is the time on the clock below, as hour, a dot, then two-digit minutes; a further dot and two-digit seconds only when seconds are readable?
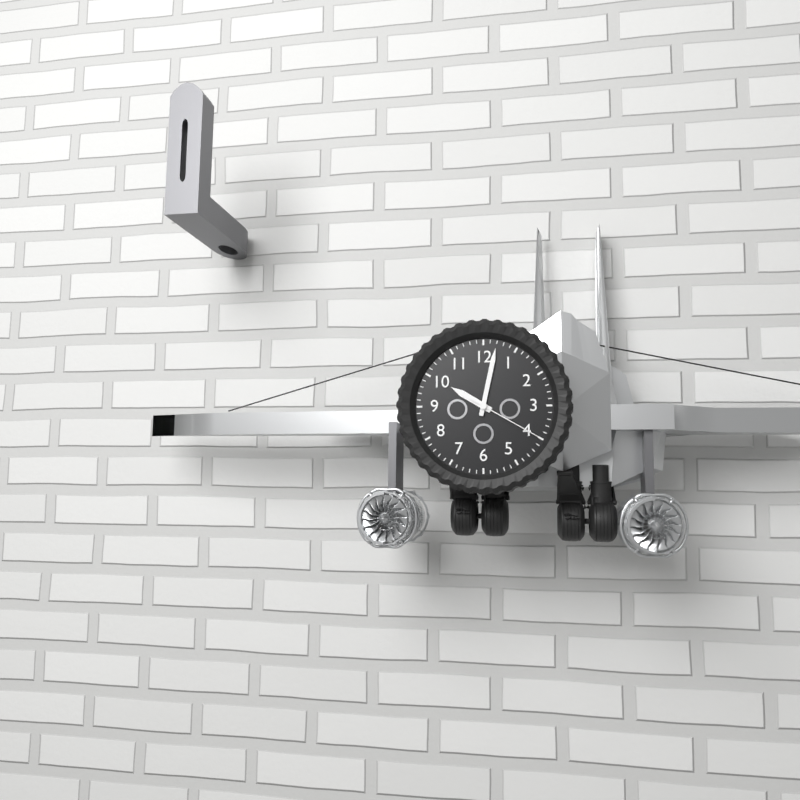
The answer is 10.02.20
